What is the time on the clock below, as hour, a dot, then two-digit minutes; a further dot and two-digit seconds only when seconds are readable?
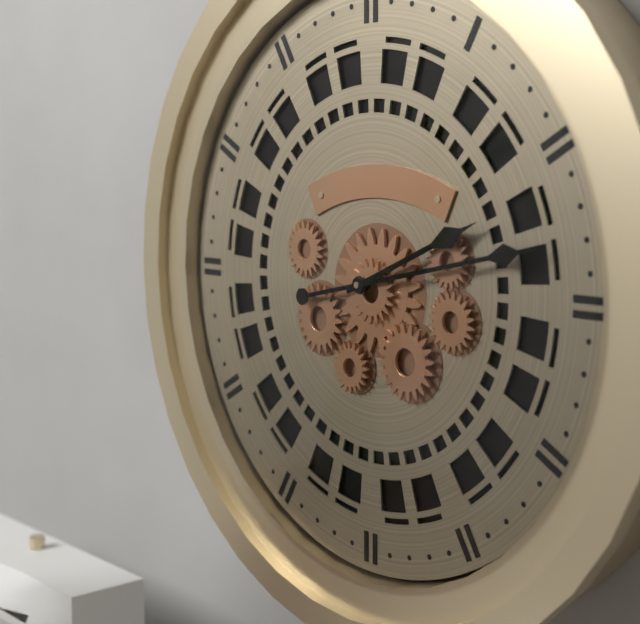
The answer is 2.13
